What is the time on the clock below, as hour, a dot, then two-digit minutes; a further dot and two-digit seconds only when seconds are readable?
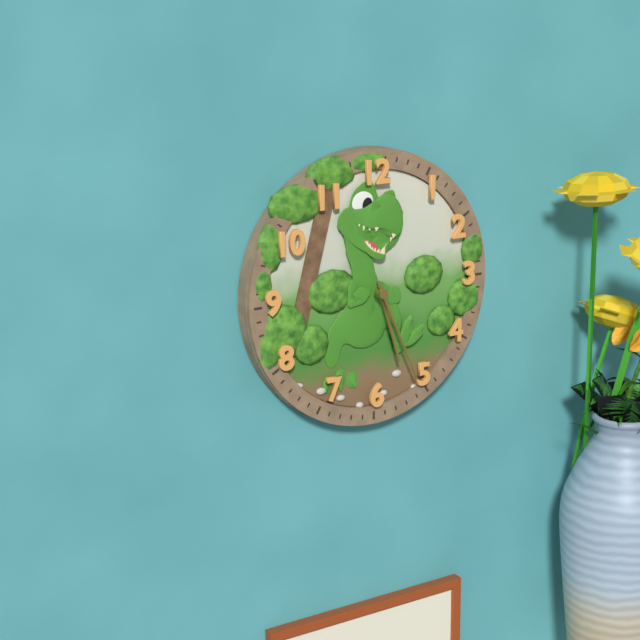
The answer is 5.26
